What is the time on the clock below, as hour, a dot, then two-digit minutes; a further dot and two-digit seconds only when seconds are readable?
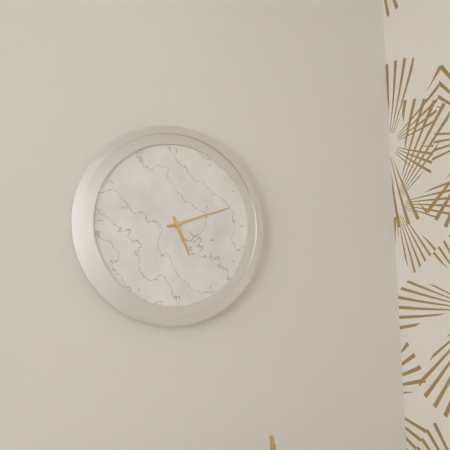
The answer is 5.12
